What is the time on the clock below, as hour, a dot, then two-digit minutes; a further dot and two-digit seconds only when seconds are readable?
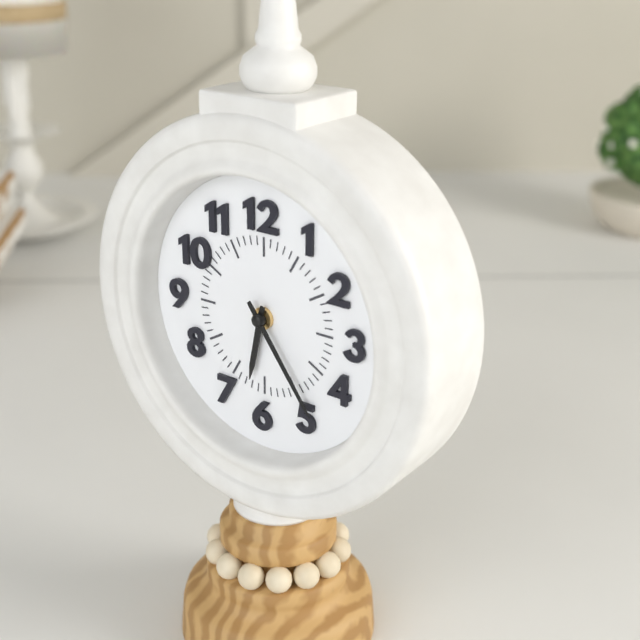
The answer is 6.24
